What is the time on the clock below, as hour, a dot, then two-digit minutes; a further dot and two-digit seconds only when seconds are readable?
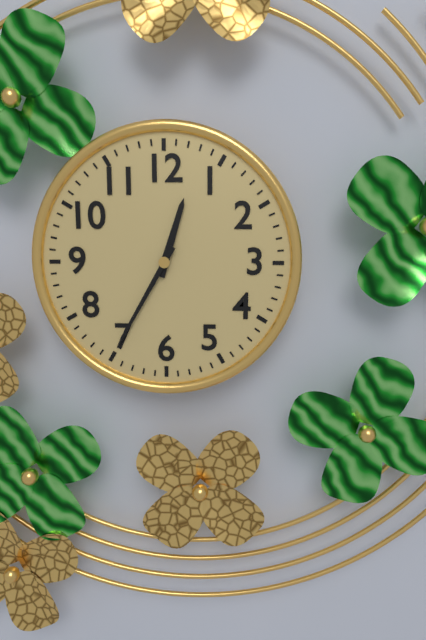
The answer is 12.35
